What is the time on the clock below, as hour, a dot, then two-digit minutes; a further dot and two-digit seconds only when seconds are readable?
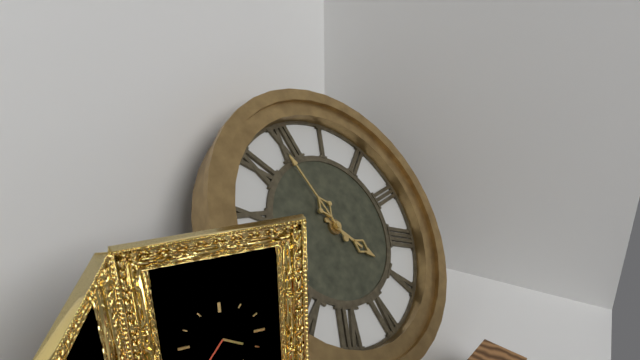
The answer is 4.59
